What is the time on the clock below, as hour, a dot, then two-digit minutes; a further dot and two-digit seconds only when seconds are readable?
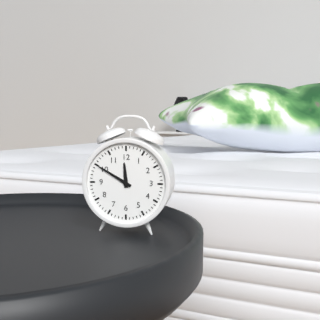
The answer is 11.50
